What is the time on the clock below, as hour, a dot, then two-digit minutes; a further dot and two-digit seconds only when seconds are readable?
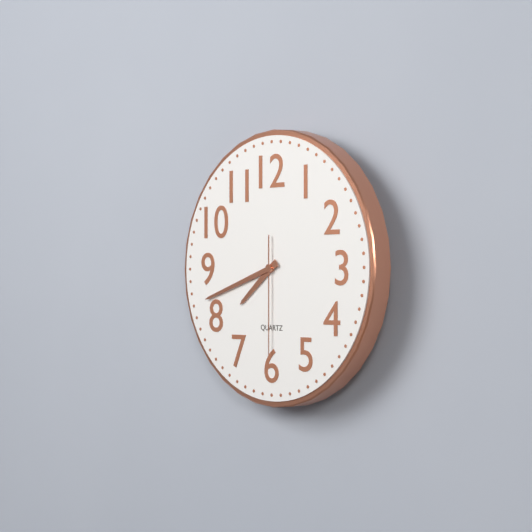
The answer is 7.42.30
